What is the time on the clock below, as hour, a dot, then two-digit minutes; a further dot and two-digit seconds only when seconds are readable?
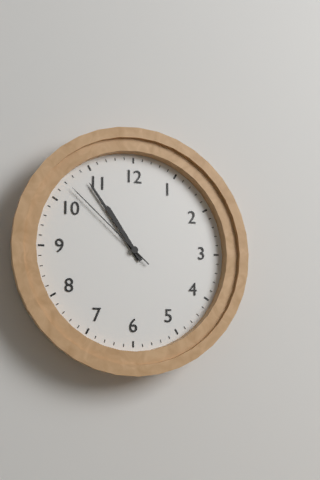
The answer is 10.54.52
